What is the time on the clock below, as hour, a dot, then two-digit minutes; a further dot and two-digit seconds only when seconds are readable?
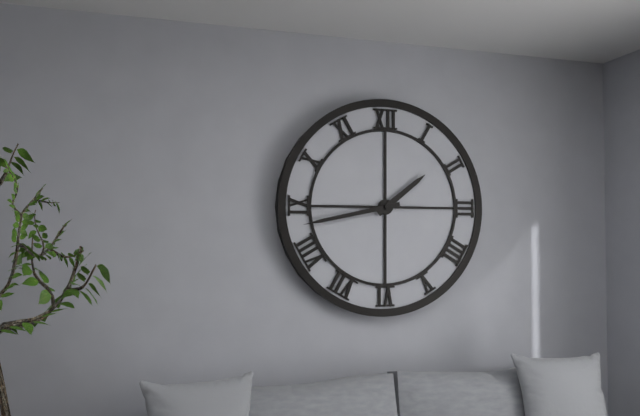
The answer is 1.43
